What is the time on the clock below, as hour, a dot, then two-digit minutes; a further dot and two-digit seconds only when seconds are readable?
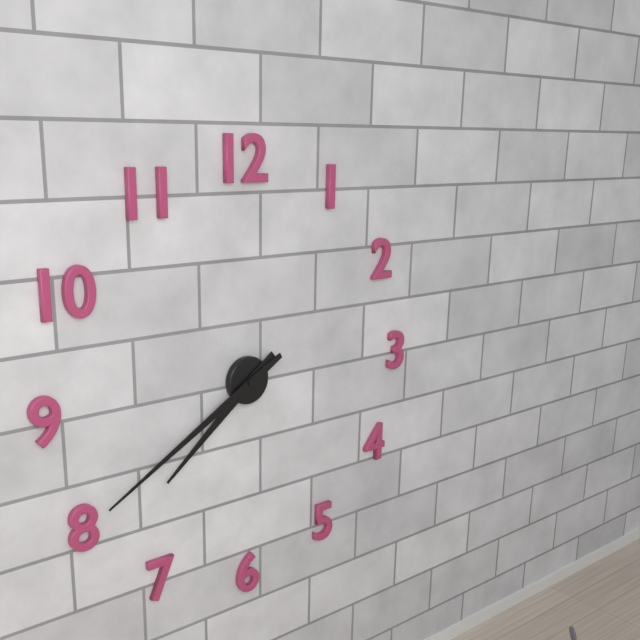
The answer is 7.40
